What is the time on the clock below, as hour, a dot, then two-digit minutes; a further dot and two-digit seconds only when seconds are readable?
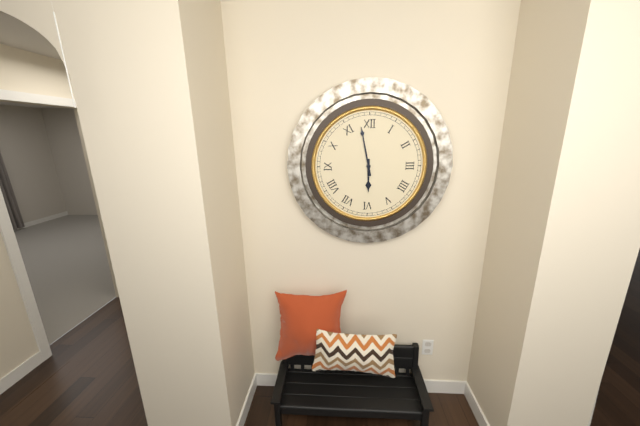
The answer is 5.58
